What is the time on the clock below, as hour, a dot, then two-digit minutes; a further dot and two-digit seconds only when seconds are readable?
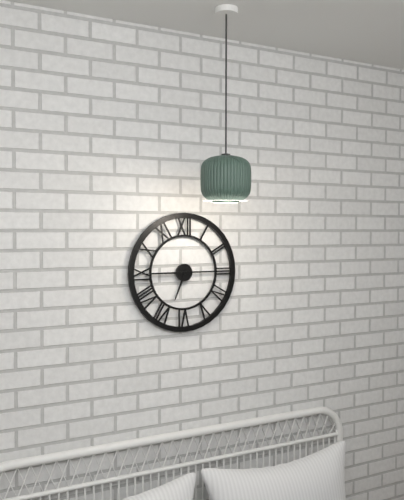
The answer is 6.45
